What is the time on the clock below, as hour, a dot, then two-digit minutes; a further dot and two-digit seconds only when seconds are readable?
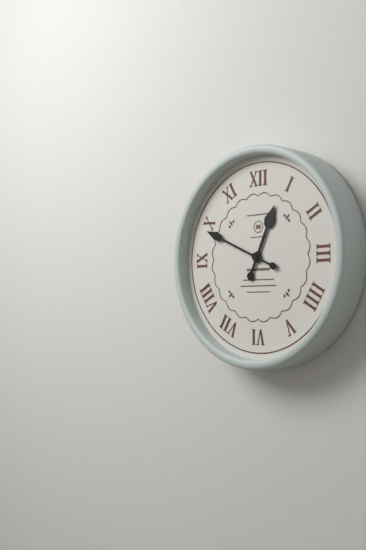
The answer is 12.49
